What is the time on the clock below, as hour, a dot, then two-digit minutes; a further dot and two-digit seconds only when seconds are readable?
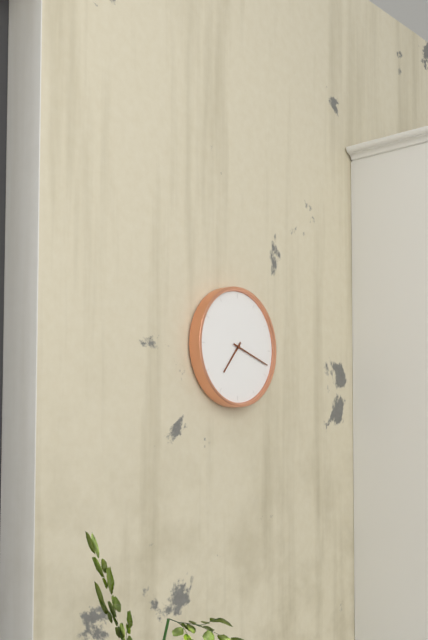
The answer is 7.18
